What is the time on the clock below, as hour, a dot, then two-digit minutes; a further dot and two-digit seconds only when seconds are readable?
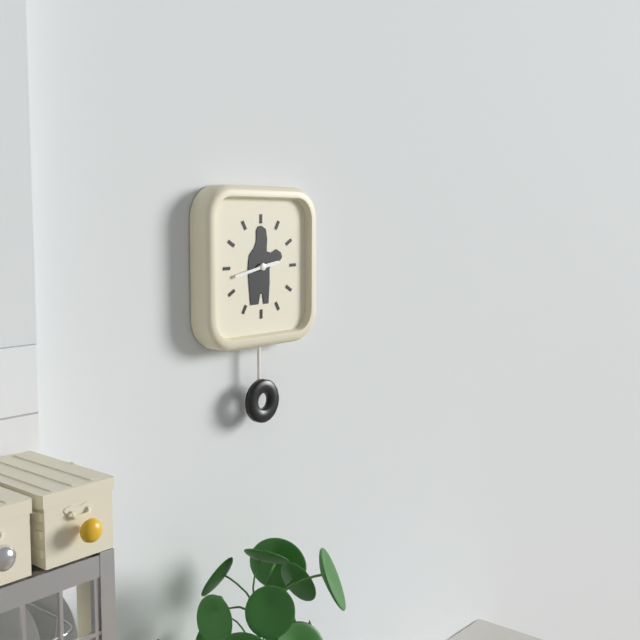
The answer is 2.43
